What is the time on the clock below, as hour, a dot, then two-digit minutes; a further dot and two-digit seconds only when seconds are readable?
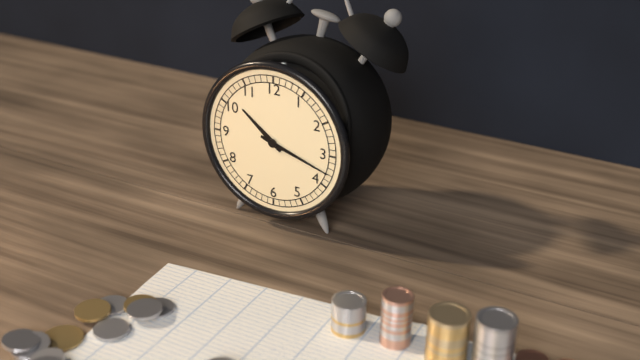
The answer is 10.18
